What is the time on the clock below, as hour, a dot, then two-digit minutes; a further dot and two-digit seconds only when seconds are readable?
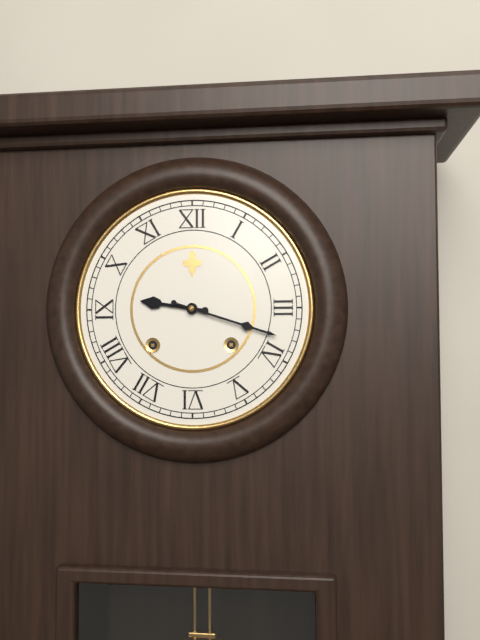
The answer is 9.18
